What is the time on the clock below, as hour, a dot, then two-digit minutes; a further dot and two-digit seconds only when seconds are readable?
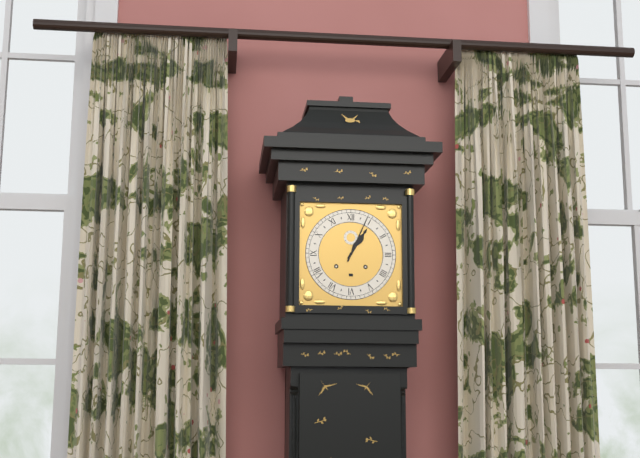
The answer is 1.04
